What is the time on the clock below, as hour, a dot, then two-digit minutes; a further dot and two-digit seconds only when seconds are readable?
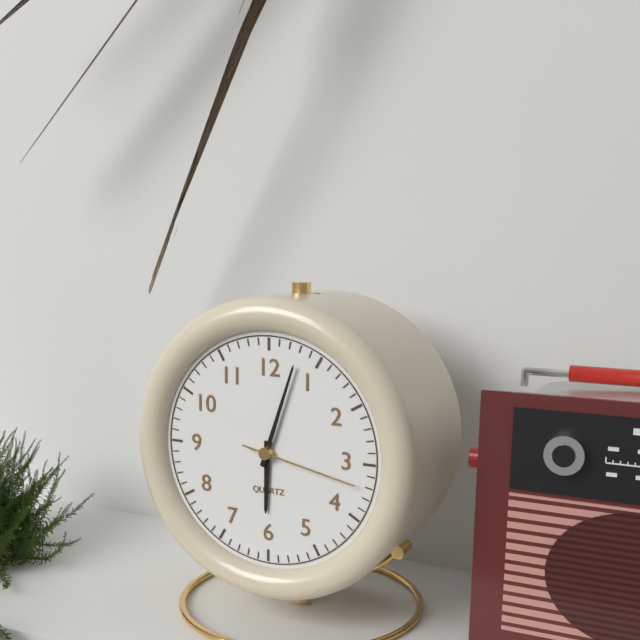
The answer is 6.03.17
